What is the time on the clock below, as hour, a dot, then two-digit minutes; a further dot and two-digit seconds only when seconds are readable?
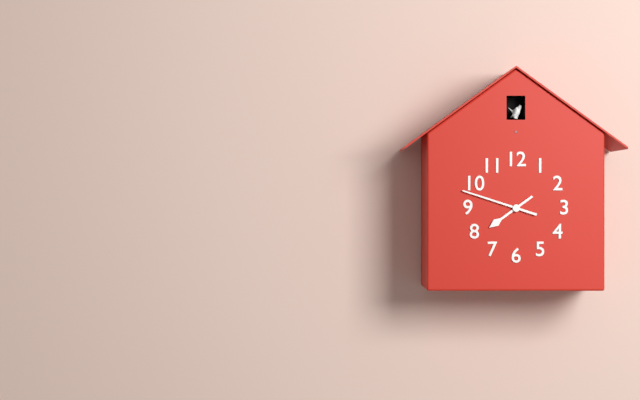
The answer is 7.48
